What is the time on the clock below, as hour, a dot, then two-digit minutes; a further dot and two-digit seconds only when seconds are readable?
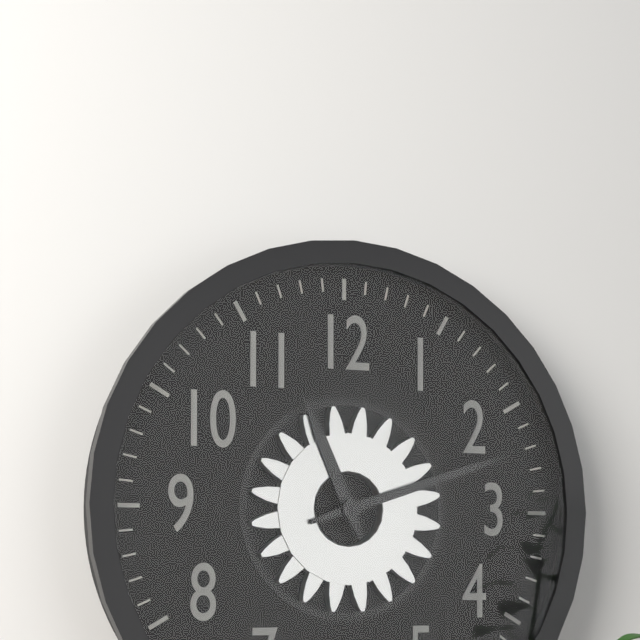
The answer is 11.12
